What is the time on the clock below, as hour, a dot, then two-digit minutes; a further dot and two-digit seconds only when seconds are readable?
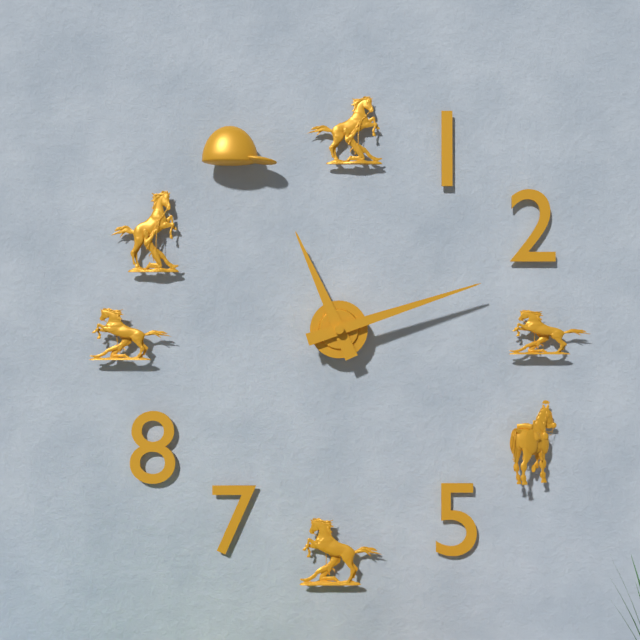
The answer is 11.12
